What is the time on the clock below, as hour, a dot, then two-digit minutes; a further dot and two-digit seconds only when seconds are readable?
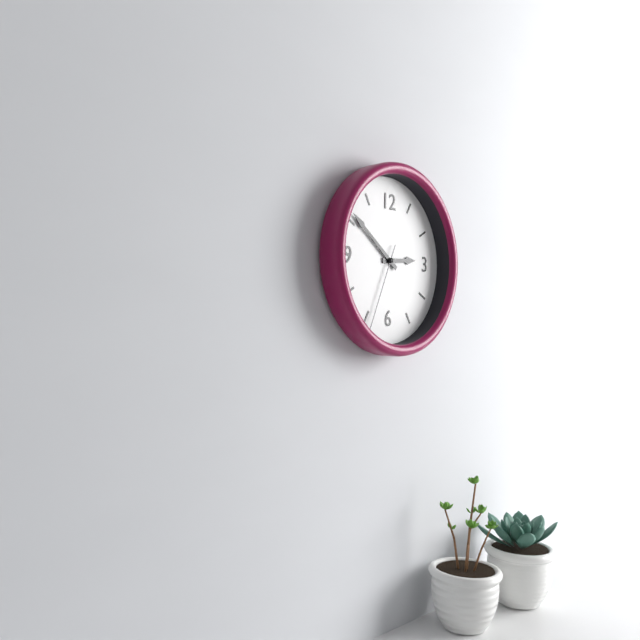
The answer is 2.51.34
